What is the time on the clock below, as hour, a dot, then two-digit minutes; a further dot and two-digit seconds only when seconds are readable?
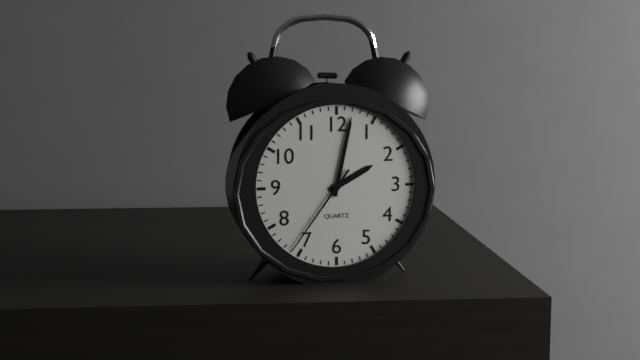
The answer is 2.02.36
